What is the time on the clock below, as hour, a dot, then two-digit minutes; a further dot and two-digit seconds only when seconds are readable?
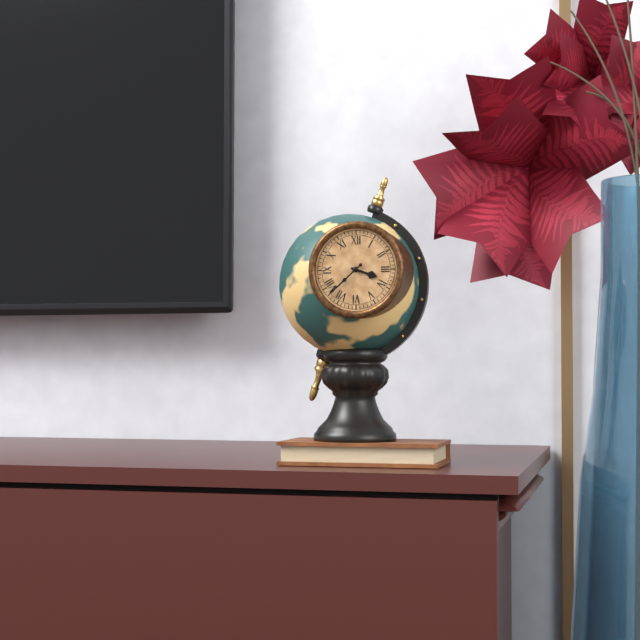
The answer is 3.38
